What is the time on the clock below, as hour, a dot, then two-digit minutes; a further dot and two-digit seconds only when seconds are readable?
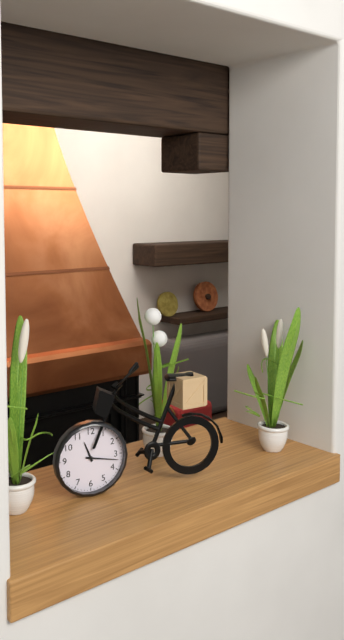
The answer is 11.17
